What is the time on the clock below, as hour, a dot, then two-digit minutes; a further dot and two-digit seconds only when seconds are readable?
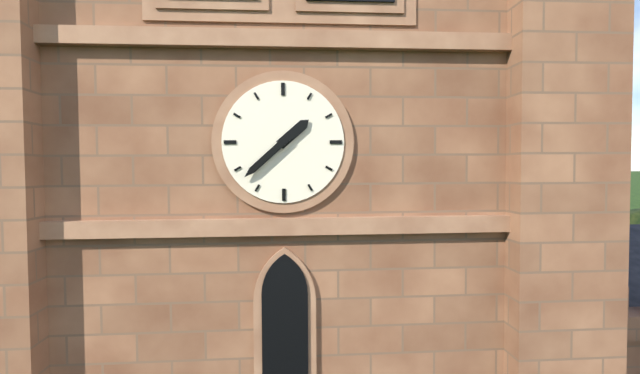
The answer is 1.38
